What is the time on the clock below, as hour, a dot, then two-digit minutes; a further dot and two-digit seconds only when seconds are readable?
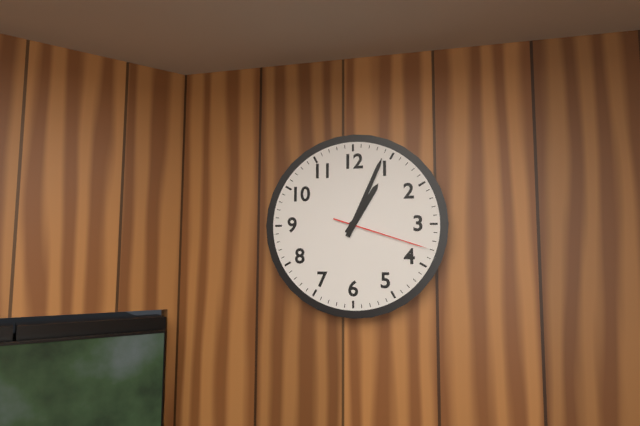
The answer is 1.04.18
